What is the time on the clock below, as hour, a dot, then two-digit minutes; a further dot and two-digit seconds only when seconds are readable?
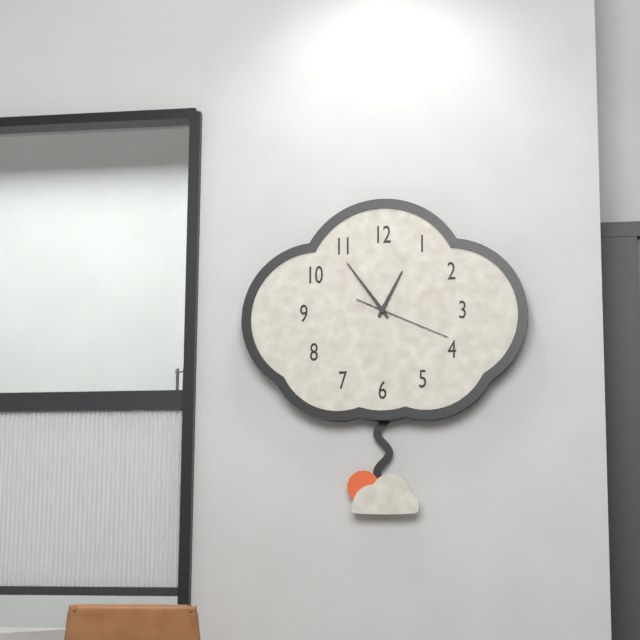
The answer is 12.54.19
